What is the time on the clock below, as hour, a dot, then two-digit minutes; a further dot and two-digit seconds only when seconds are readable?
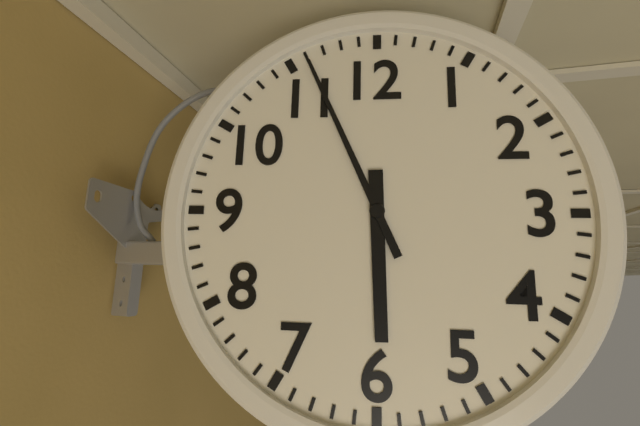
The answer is 5.56
